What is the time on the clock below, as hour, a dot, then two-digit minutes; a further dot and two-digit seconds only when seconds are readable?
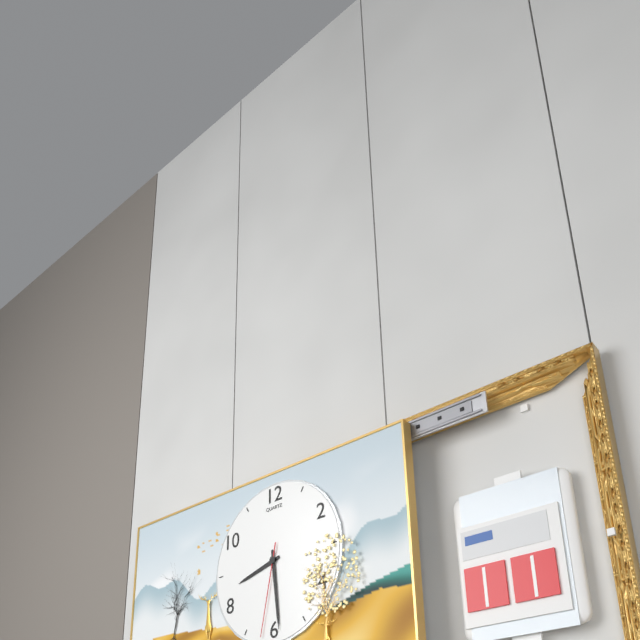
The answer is 8.29.32
